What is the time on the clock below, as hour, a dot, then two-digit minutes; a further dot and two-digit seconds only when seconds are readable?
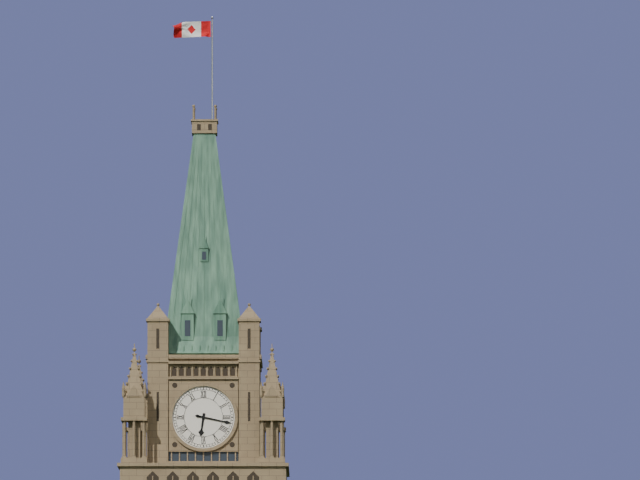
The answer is 6.17
